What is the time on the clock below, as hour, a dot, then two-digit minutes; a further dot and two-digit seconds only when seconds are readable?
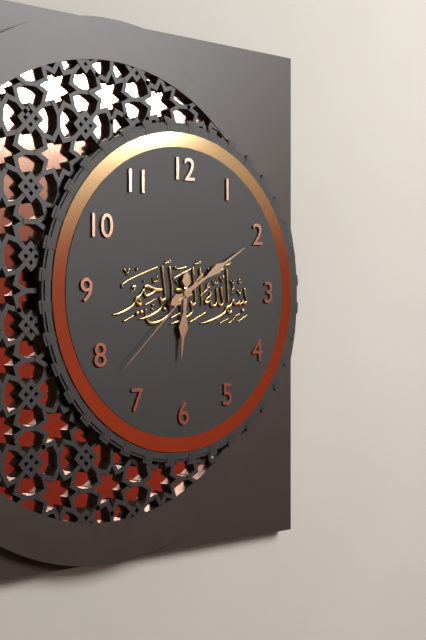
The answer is 6.10.38
